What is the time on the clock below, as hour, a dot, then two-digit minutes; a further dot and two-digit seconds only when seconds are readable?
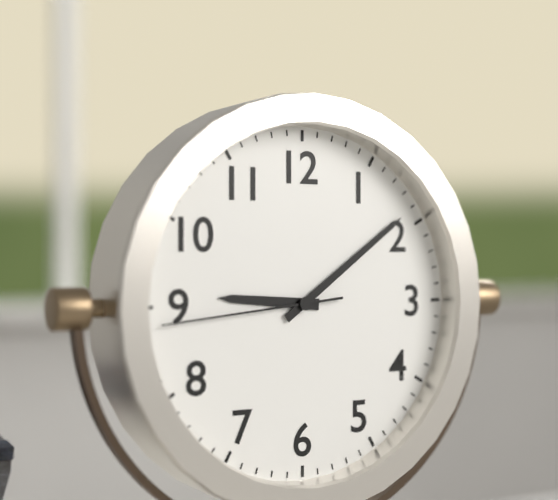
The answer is 9.09.44
